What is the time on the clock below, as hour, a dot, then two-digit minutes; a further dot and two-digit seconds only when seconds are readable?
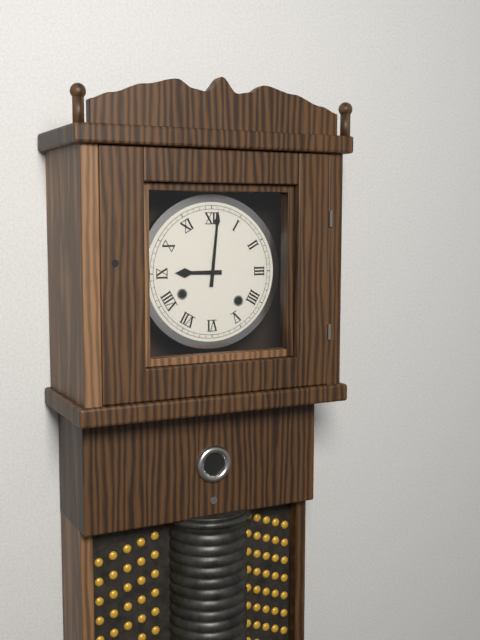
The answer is 9.01
